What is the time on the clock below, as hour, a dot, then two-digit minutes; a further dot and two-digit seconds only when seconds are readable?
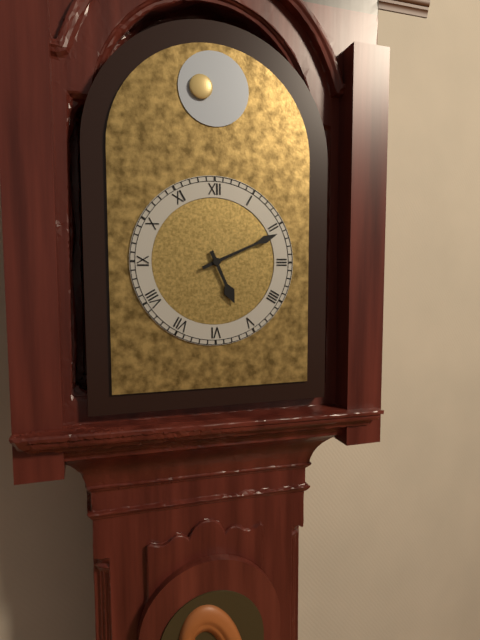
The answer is 5.11
